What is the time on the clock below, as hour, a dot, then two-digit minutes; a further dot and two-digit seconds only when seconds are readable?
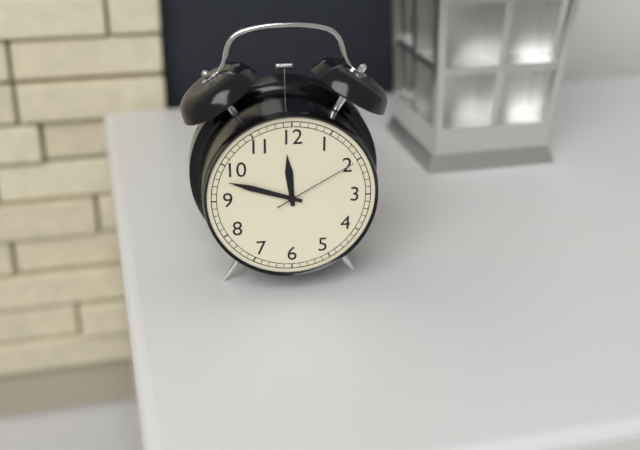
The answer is 11.48.10
